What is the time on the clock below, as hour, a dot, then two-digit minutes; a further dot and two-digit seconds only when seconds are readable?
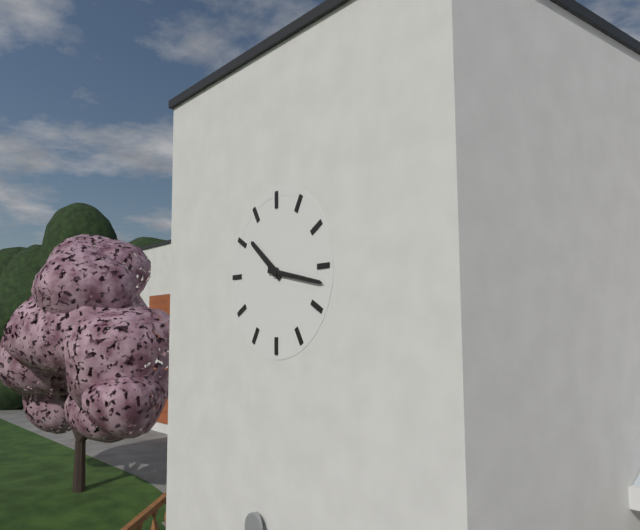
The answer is 10.17
